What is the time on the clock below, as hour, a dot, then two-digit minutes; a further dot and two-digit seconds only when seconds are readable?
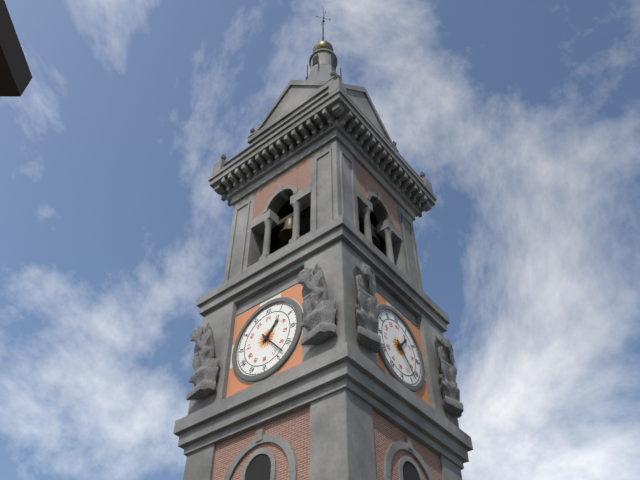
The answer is 1.23
